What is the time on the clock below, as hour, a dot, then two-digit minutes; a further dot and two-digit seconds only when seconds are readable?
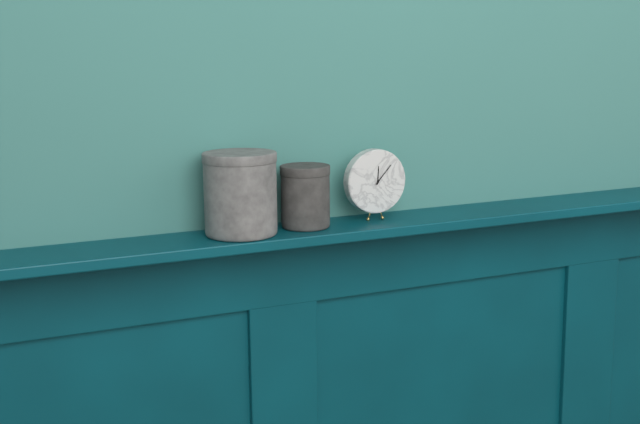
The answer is 12.07
